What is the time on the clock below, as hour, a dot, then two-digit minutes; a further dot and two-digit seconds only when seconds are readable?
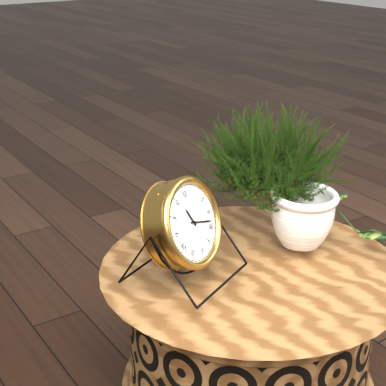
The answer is 11.18
